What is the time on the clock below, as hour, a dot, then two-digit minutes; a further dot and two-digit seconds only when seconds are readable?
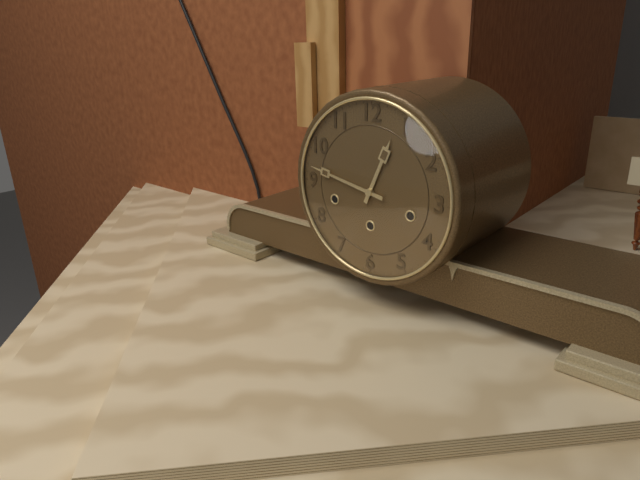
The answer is 12.47
